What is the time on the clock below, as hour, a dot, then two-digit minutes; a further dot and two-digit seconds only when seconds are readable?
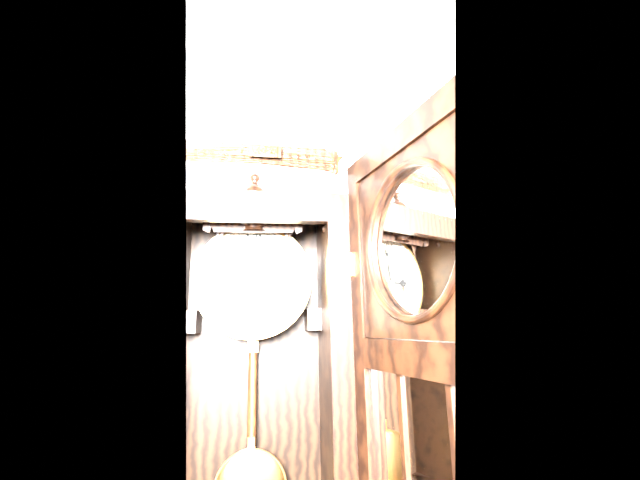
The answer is 9.01
